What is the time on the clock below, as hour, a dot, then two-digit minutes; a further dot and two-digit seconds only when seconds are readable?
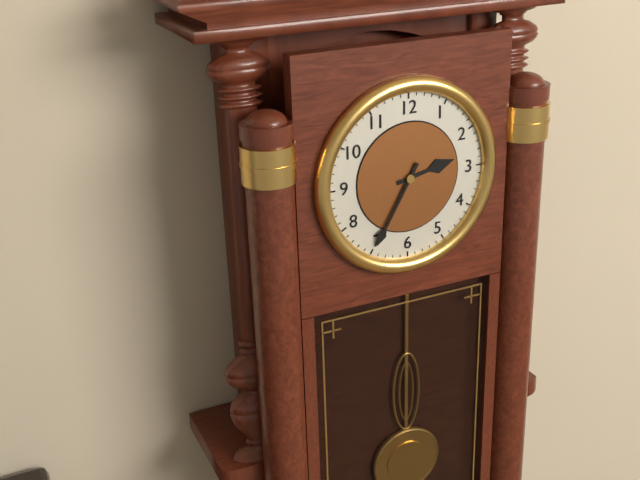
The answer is 2.35
